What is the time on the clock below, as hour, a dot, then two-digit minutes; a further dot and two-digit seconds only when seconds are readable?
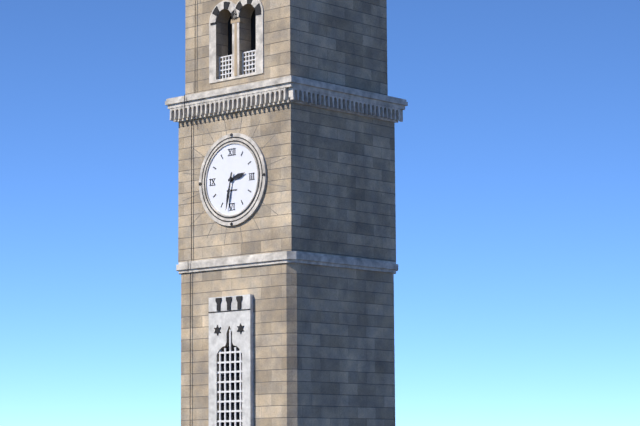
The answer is 2.32
